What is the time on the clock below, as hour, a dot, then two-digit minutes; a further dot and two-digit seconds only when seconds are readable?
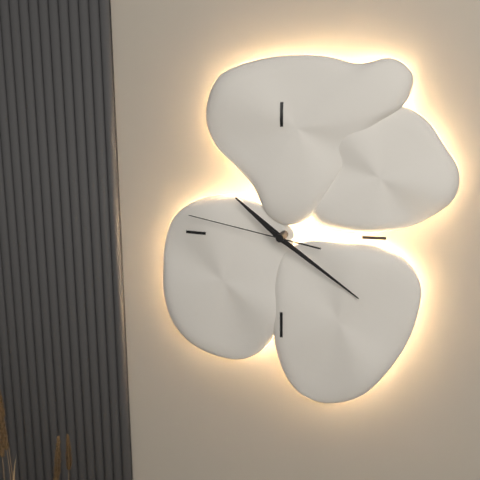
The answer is 10.21.47
